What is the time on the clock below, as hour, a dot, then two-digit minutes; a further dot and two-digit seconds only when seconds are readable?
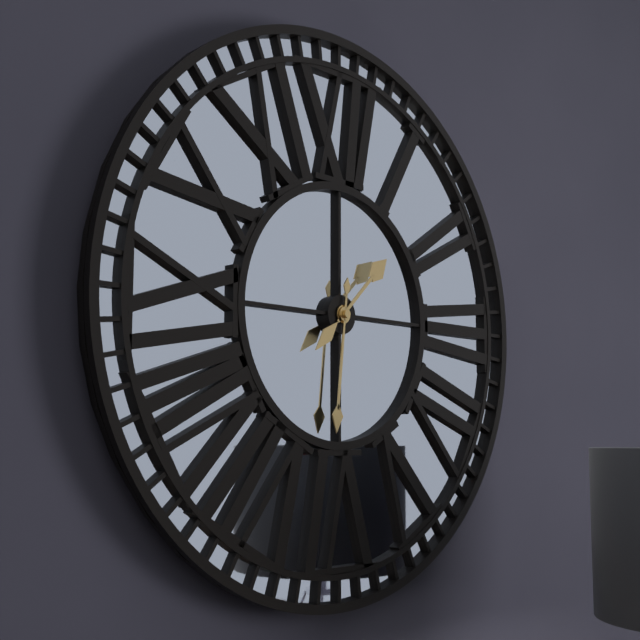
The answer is 1.31
